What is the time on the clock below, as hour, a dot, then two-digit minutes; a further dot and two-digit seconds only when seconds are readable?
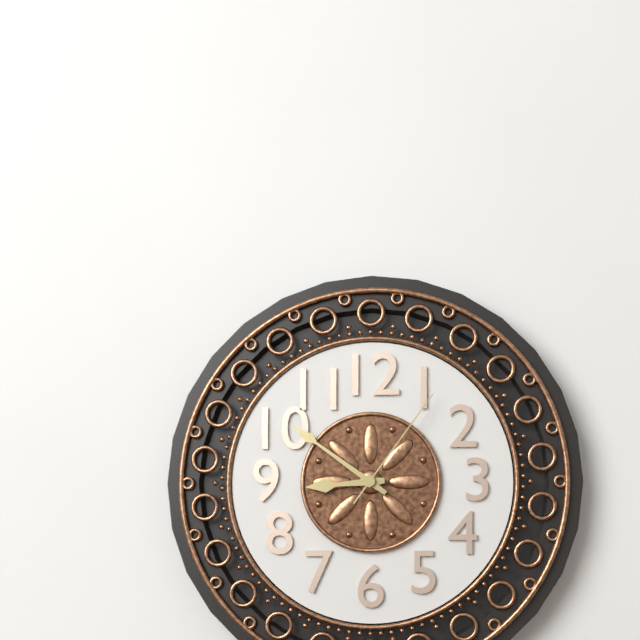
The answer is 8.51.06
